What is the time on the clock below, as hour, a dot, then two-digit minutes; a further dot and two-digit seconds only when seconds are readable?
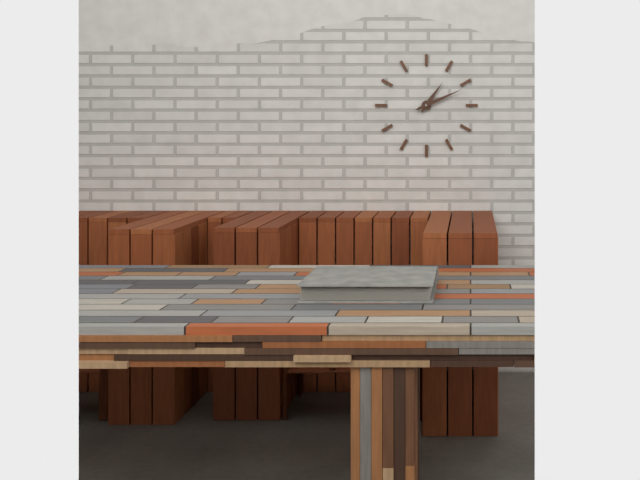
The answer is 1.11
